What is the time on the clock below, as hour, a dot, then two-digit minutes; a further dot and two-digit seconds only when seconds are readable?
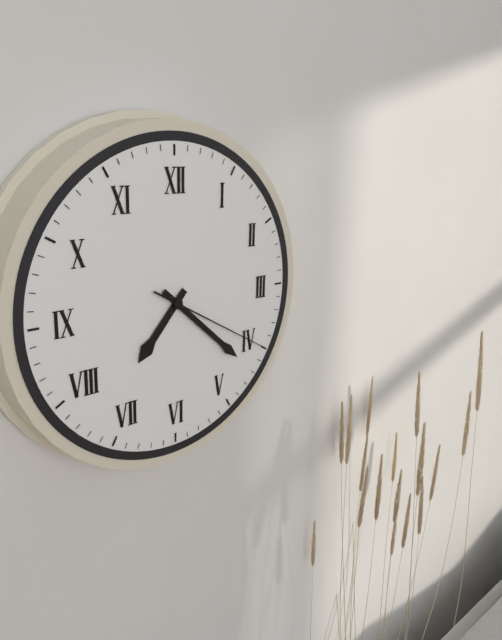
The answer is 7.22.20
